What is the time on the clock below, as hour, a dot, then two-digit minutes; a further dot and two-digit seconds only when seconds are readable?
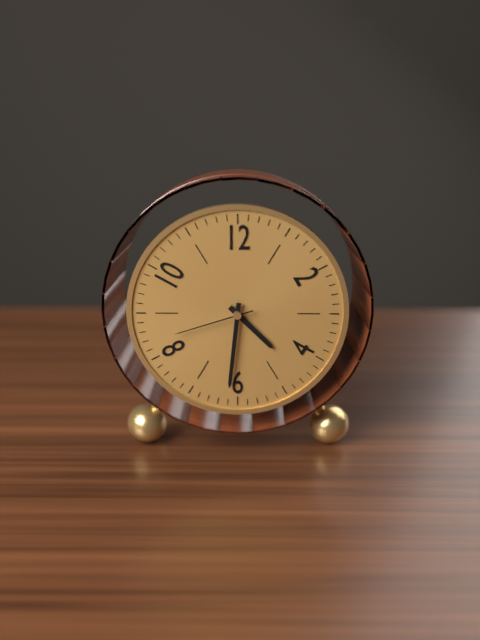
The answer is 4.31.42
